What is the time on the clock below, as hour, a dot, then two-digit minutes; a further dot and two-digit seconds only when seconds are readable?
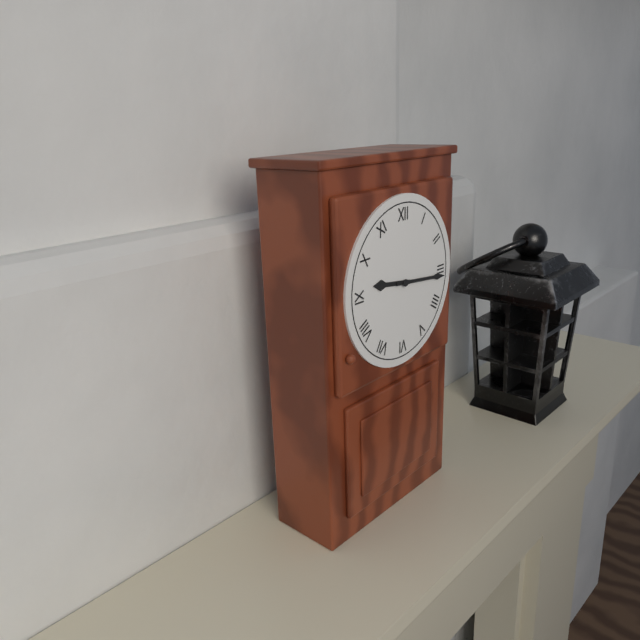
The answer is 9.16
